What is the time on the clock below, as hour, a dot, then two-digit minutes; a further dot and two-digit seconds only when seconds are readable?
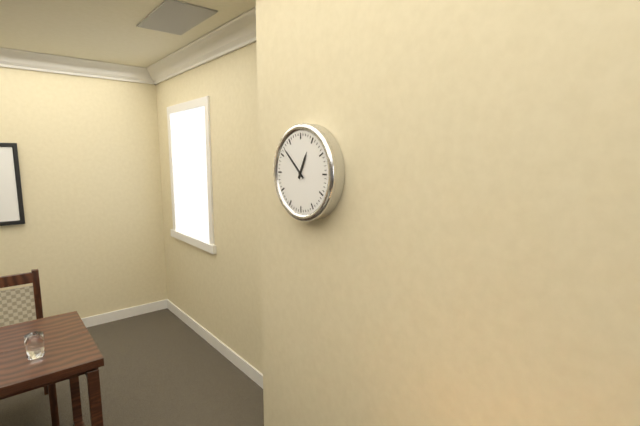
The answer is 12.52
